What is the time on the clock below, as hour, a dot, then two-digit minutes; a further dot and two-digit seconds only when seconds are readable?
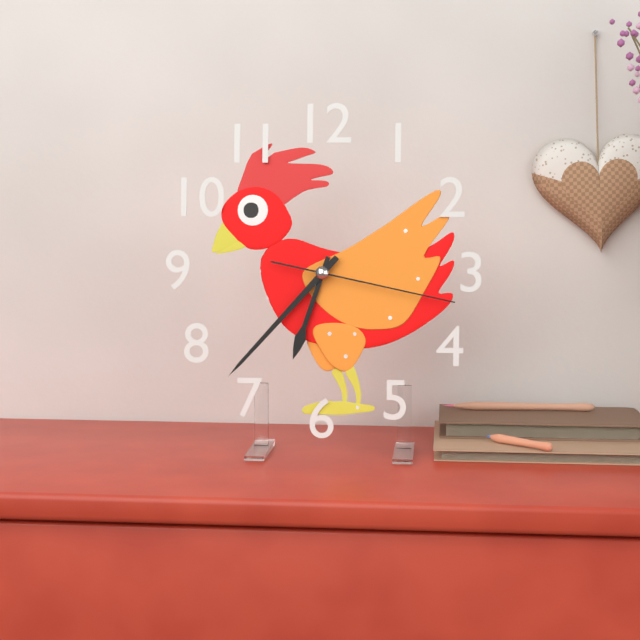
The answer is 6.37.17
